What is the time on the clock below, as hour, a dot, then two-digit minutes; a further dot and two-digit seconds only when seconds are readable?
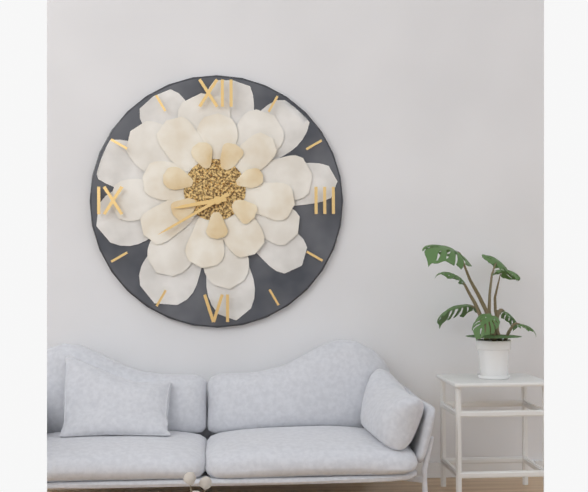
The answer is 8.40
